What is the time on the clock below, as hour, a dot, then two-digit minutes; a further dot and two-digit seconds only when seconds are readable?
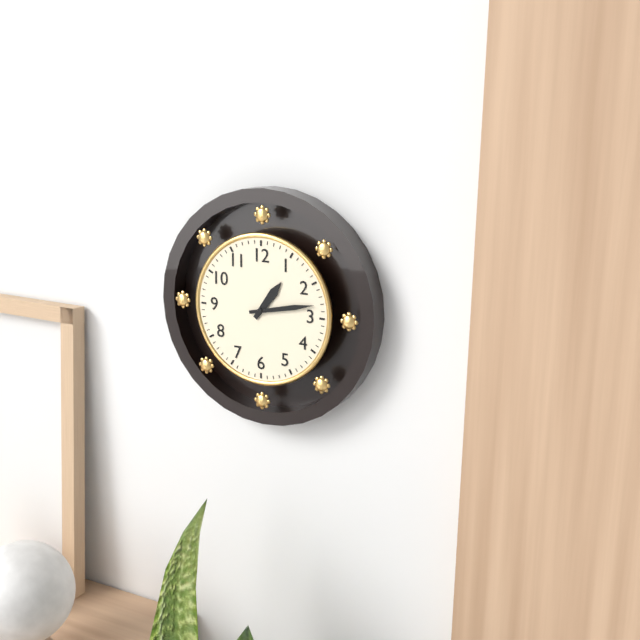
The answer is 1.13
